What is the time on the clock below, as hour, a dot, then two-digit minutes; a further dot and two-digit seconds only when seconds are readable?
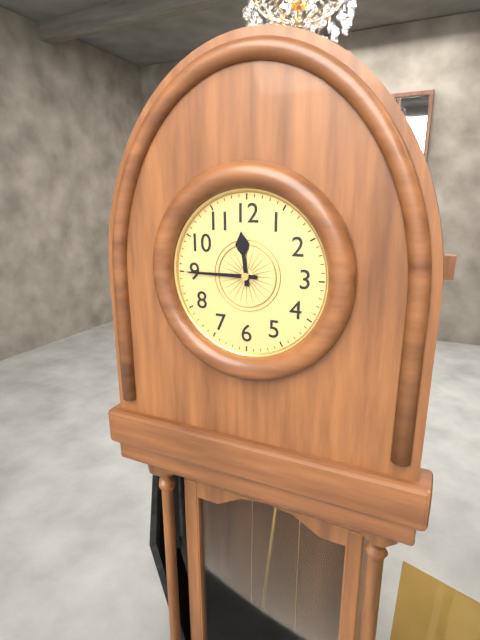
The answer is 11.45
